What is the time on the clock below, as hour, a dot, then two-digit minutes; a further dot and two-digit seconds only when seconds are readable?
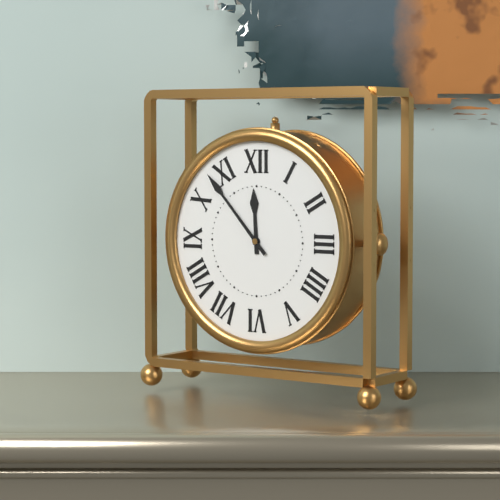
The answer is 11.53
